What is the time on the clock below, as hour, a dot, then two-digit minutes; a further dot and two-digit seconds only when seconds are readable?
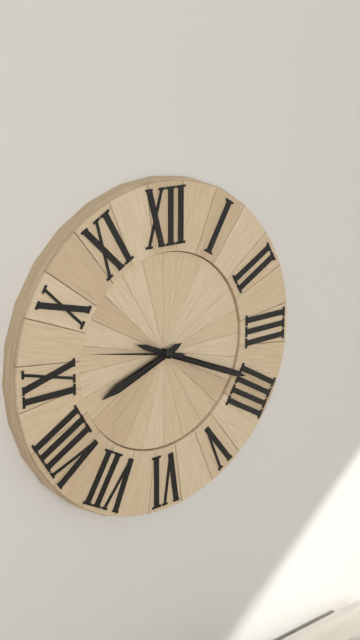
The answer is 8.19.47
